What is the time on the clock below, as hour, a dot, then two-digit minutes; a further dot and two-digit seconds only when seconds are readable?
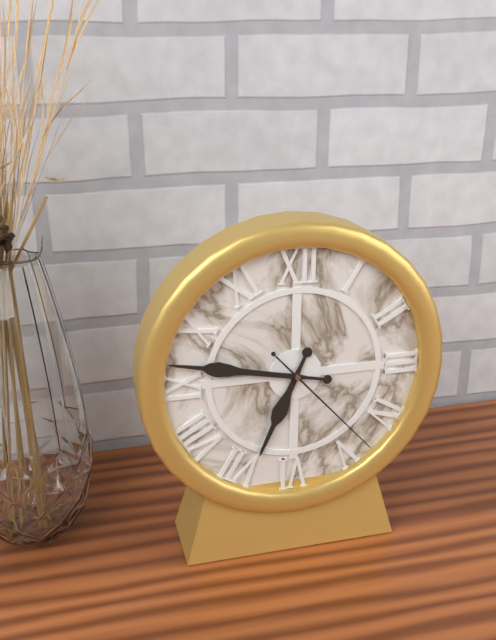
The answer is 6.47.23
